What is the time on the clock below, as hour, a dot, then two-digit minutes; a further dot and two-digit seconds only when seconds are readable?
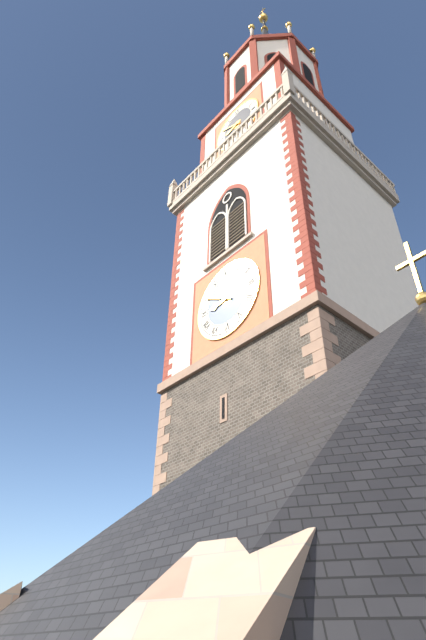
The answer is 8.50
